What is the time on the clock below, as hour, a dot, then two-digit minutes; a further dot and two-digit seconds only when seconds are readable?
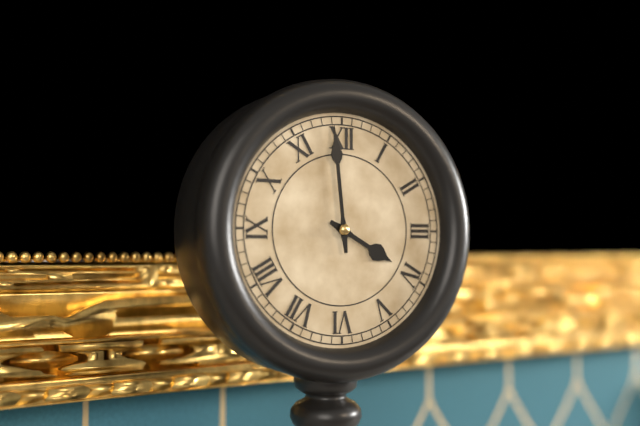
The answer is 3.59
